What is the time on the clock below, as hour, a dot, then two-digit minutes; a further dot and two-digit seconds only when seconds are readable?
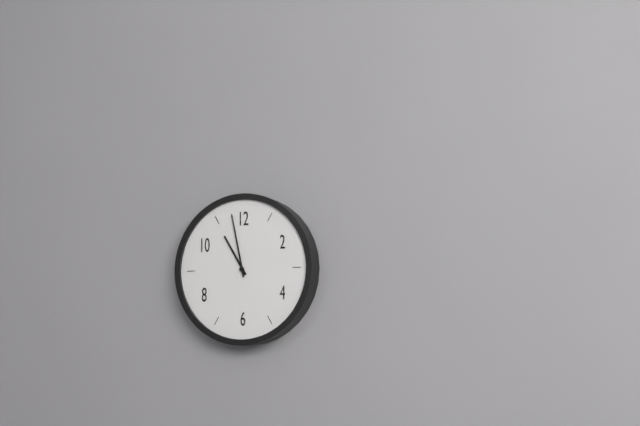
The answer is 10.58
